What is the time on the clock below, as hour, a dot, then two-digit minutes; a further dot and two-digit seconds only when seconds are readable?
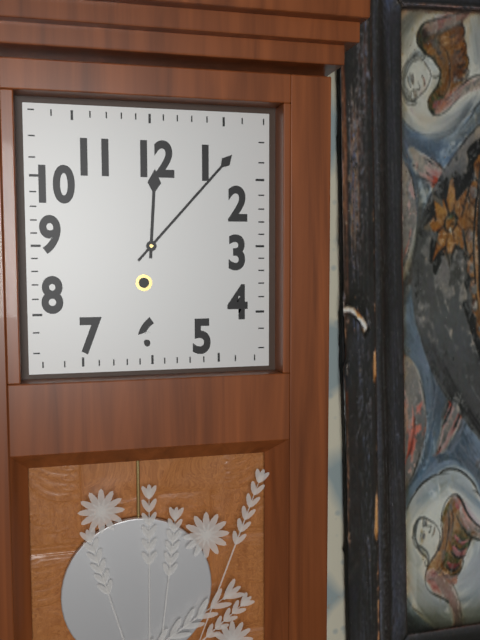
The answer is 12.07
